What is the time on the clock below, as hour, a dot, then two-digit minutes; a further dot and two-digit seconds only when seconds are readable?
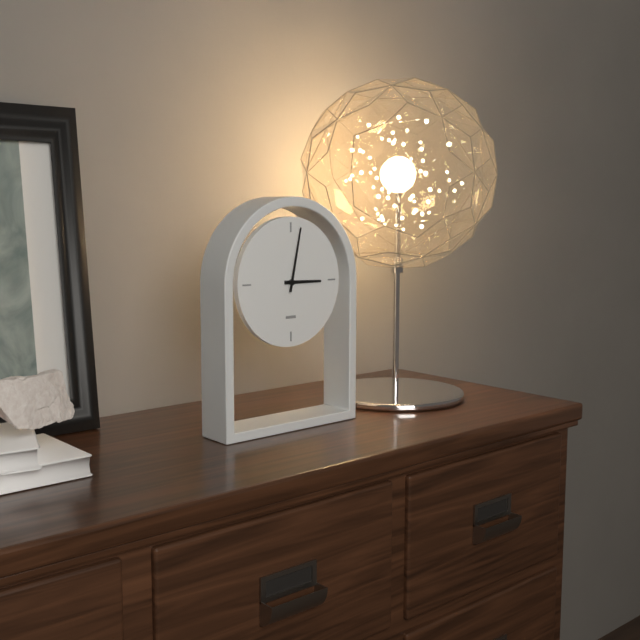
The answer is 3.02
